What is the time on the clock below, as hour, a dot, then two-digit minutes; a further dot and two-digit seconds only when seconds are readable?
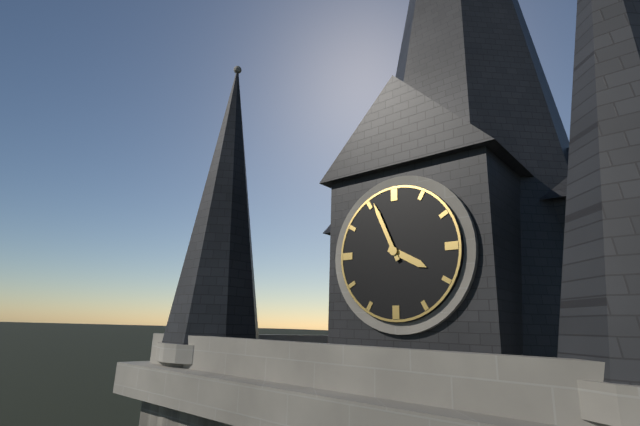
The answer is 3.56
